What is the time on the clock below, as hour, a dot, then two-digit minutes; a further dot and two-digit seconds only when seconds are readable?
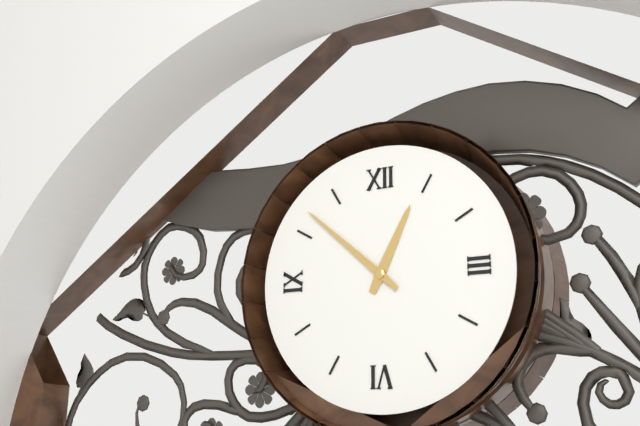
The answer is 12.52
